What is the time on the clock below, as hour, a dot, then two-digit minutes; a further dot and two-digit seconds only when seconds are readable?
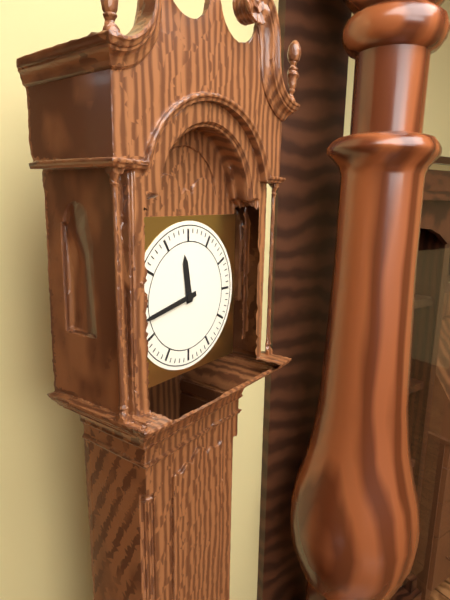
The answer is 11.43
